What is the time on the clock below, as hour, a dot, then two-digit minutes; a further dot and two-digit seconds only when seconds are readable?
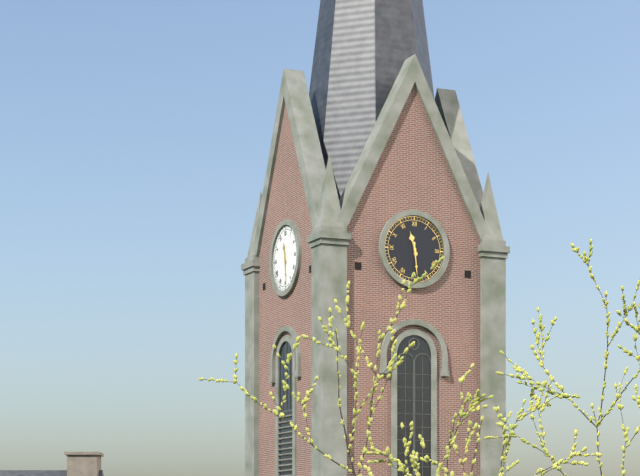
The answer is 11.29
